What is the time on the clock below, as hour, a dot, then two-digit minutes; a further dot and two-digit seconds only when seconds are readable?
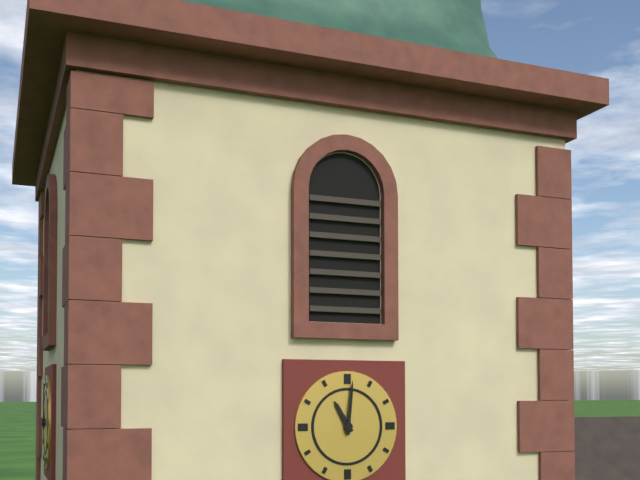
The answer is 11.01
